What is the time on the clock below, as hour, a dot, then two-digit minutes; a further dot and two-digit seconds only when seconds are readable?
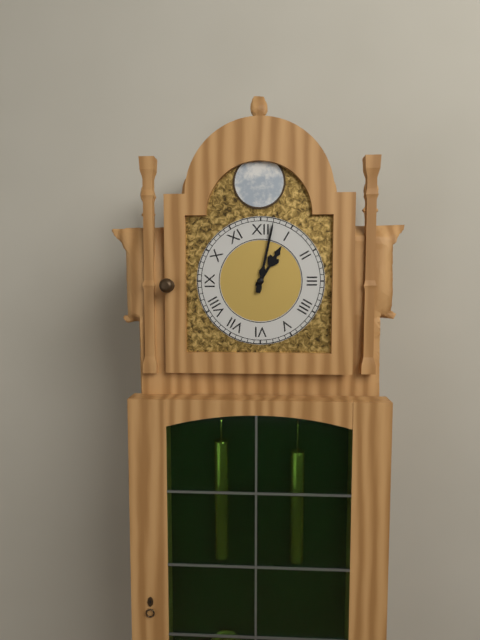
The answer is 1.02
